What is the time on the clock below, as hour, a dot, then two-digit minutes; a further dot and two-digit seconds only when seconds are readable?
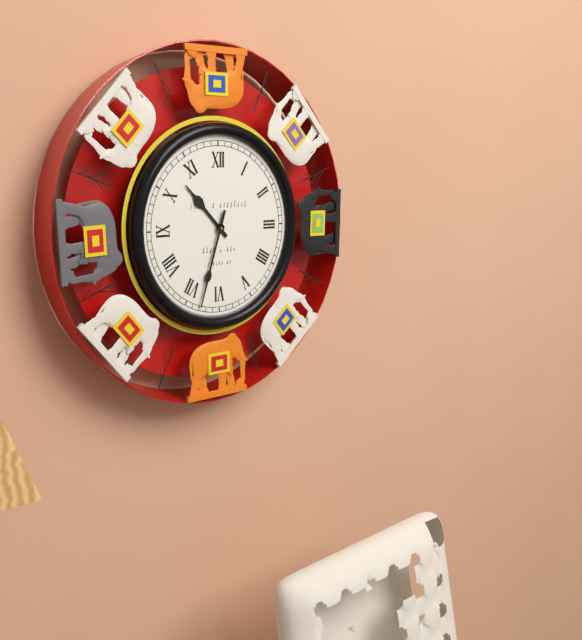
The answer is 10.33
